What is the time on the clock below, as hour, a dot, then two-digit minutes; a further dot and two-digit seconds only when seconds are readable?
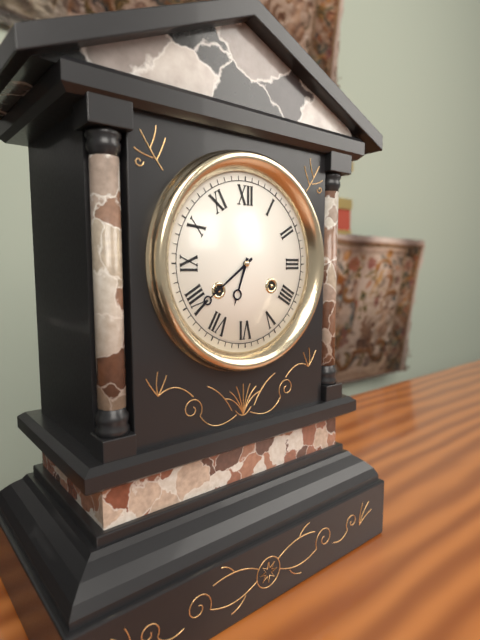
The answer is 6.39
